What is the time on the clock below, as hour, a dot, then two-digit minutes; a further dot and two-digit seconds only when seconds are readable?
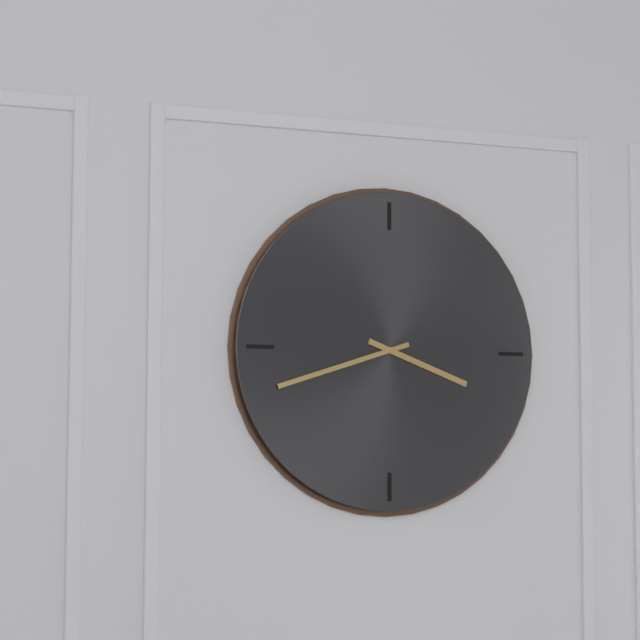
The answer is 3.42
